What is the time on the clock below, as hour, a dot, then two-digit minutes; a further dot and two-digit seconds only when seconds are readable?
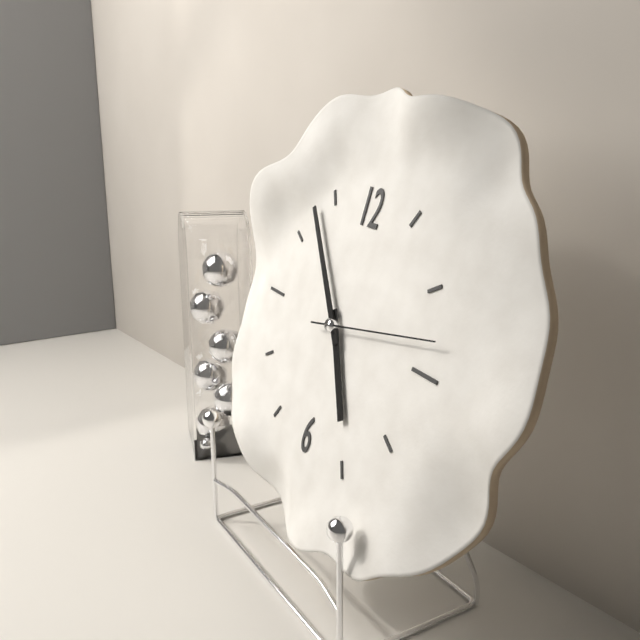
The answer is 4.53.13
